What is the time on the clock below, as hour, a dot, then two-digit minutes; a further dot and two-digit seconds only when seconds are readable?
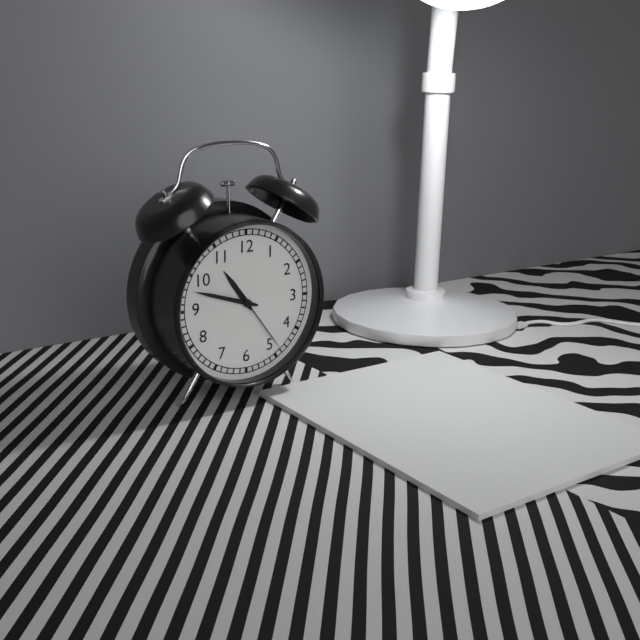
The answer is 10.48.24
